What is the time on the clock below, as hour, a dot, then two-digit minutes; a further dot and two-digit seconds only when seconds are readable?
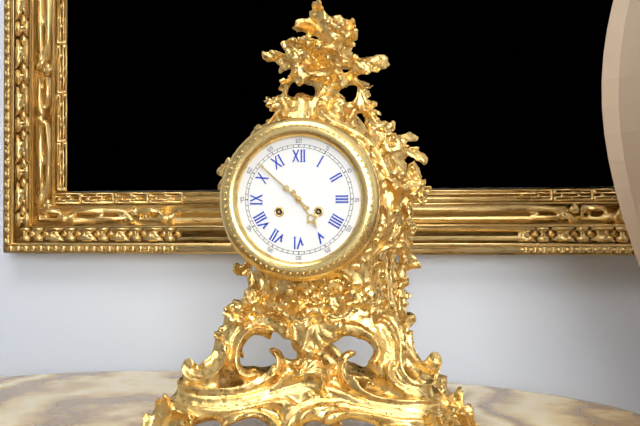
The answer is 4.52
